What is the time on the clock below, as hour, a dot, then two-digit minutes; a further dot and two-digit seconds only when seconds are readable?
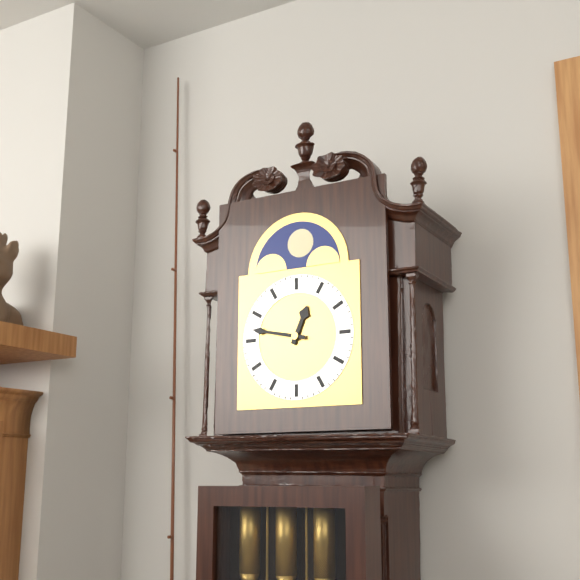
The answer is 12.47
